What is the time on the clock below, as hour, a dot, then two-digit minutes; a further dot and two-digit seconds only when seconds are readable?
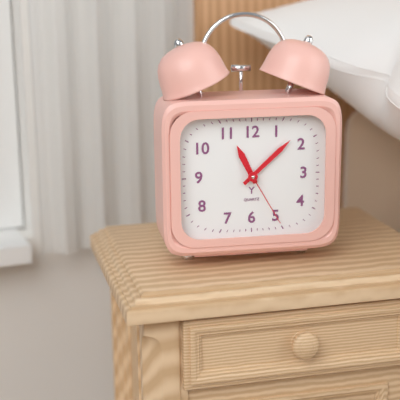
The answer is 11.08.25
